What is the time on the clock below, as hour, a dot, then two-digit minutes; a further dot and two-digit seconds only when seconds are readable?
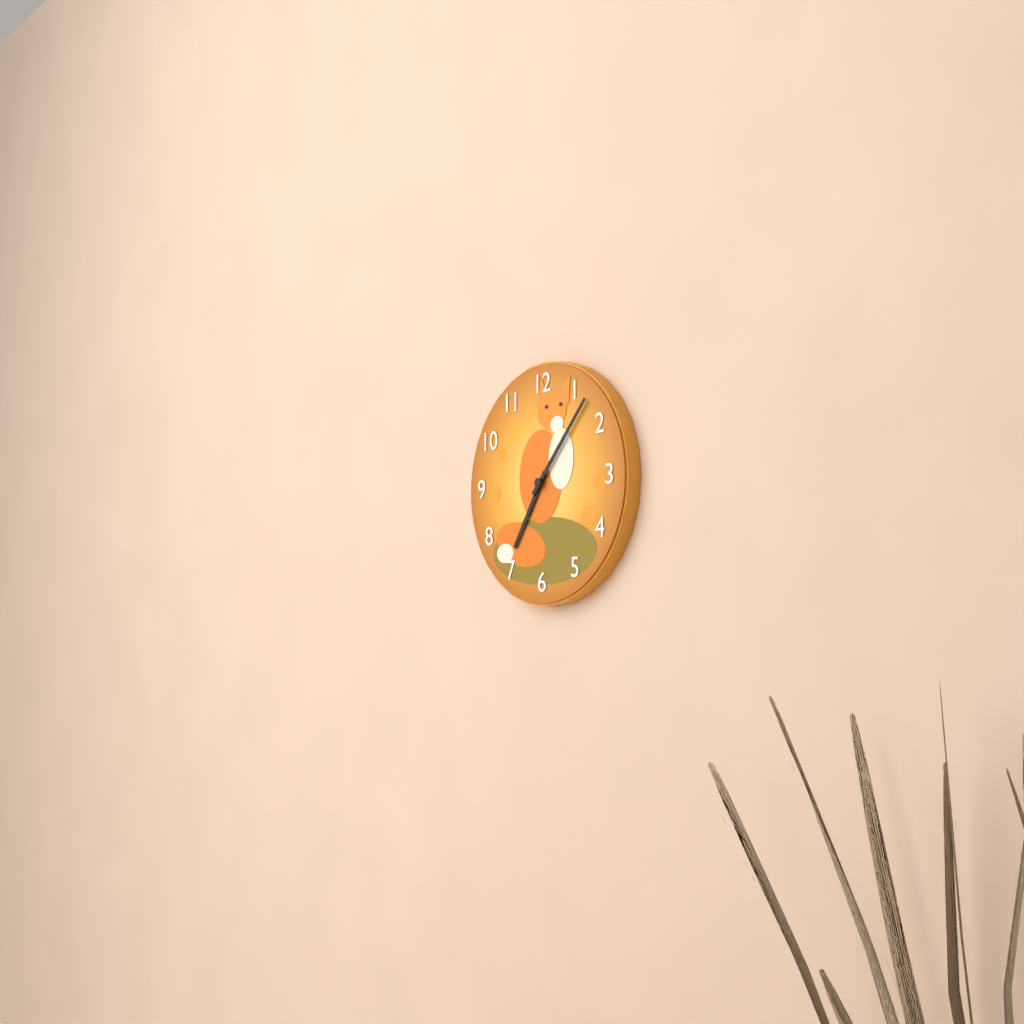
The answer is 7.07
